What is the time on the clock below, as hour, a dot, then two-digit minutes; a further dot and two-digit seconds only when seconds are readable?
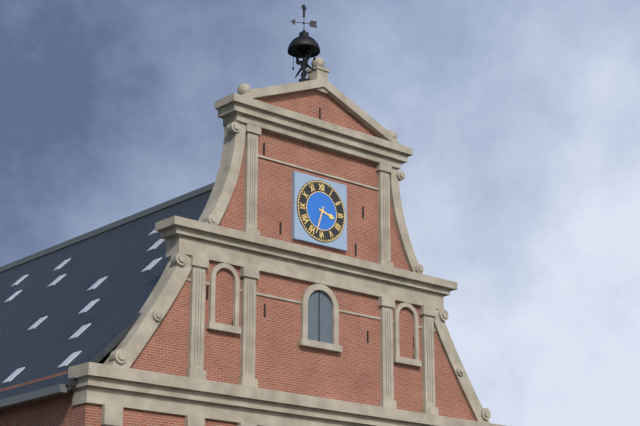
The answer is 3.33
